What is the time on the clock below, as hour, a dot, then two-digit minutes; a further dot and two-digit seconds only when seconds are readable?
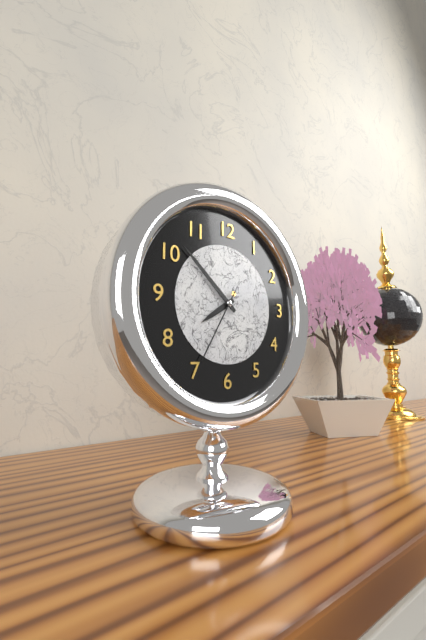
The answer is 7.52.35
